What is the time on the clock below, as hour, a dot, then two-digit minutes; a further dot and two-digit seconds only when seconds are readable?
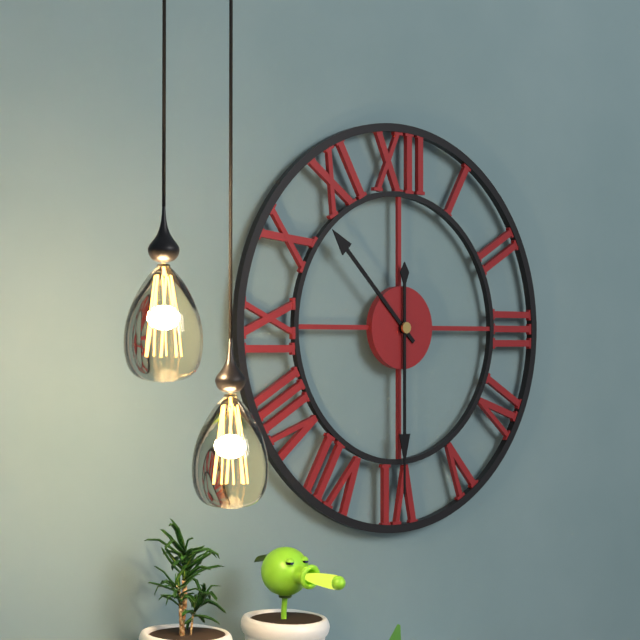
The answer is 10.30
